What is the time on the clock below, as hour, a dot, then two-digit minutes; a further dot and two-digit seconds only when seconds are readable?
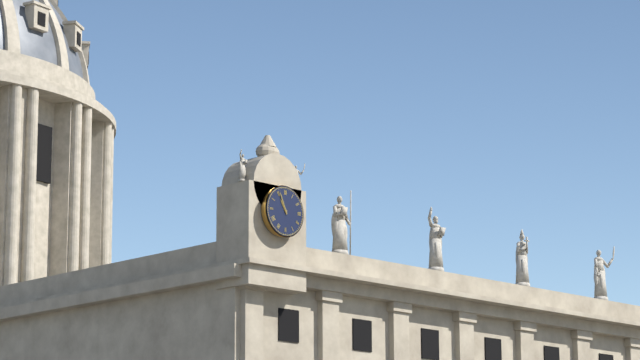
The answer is 10.56
